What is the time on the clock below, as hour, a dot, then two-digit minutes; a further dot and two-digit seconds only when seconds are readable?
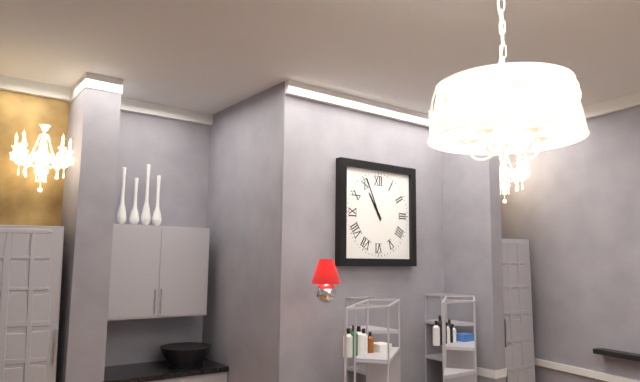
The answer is 10.56
